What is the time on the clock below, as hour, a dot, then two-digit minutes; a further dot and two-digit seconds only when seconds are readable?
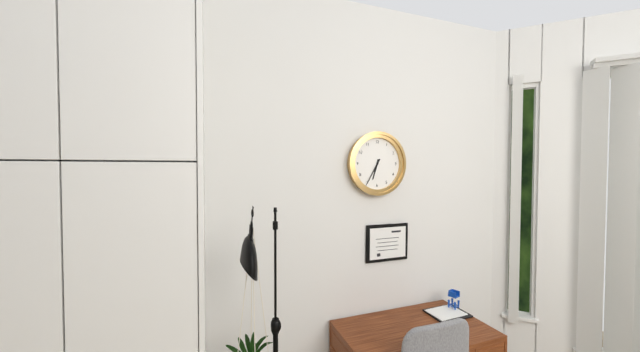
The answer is 6.35
